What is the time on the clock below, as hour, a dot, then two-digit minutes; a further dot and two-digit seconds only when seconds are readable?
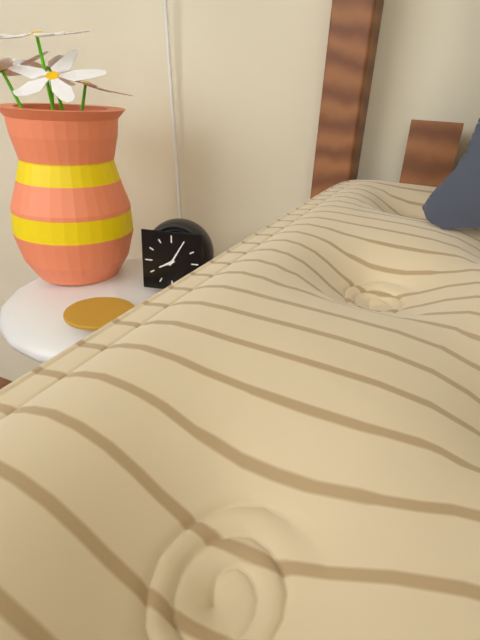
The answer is 8.05
